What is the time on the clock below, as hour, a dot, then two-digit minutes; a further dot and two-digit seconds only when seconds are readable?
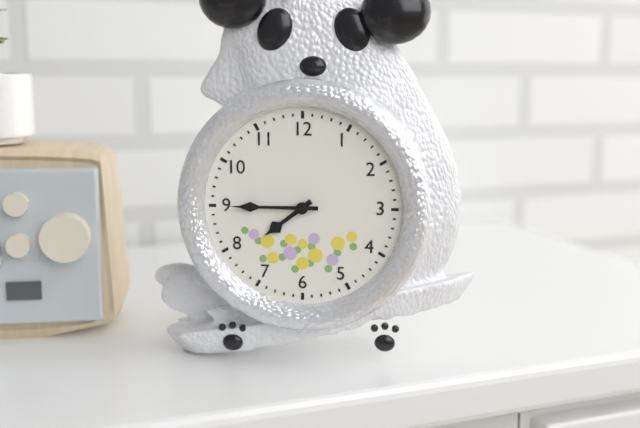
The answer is 7.45
